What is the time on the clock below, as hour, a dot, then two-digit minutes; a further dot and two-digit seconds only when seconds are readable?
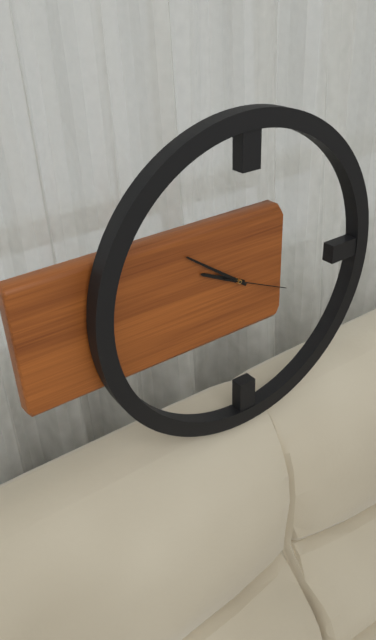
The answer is 9.51.19
